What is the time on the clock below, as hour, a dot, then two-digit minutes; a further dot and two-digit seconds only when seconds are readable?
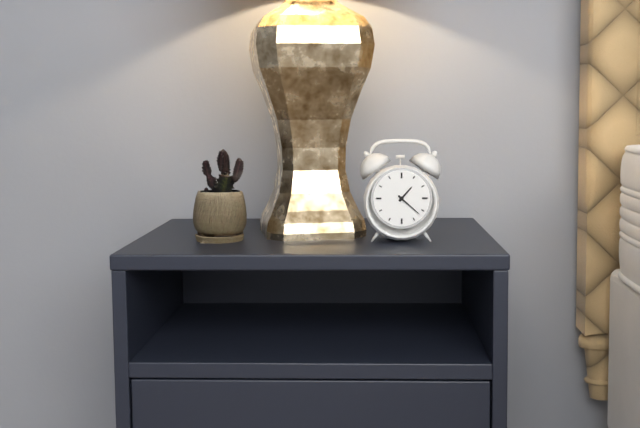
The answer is 1.22
